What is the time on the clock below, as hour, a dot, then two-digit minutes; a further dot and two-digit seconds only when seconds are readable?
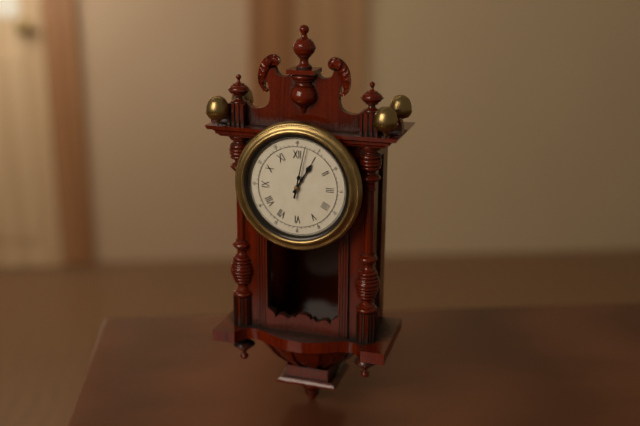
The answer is 1.02
